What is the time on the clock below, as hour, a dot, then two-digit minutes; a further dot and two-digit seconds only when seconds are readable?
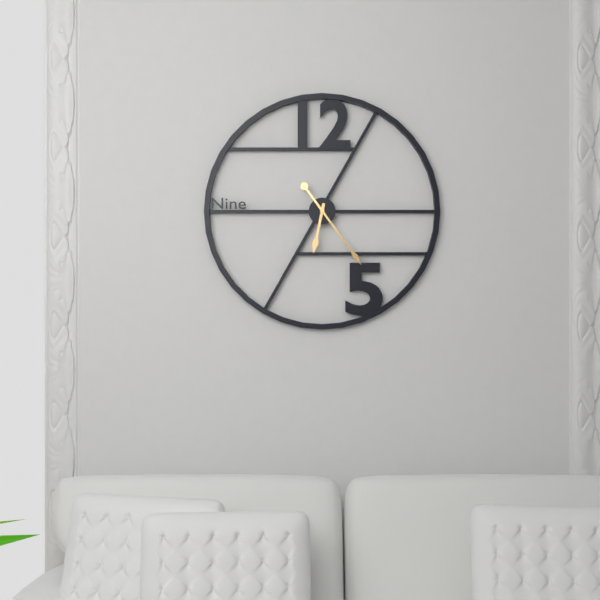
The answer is 6.24
